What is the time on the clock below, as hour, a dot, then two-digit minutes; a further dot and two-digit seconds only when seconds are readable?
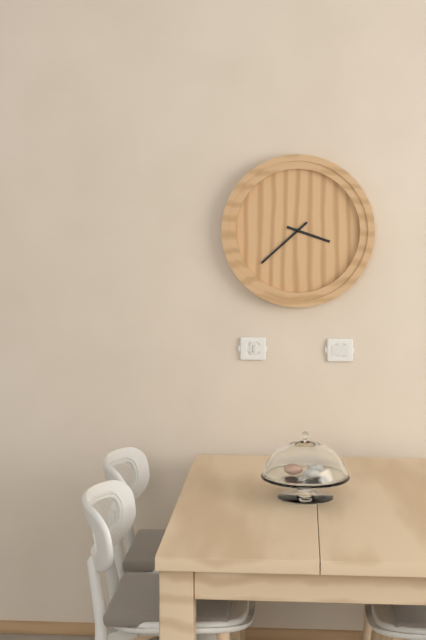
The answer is 3.38
